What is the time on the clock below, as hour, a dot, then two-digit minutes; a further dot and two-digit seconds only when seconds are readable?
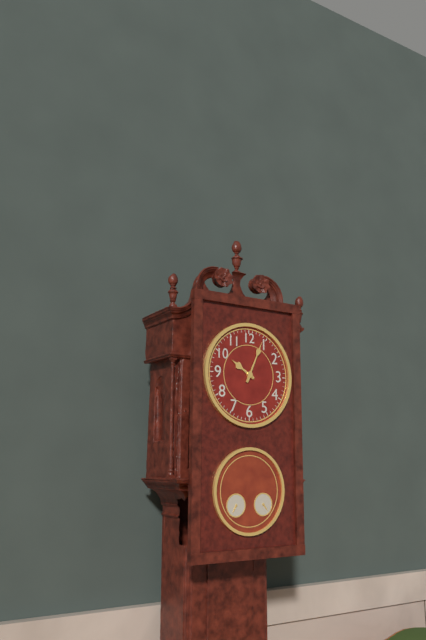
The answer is 10.04
